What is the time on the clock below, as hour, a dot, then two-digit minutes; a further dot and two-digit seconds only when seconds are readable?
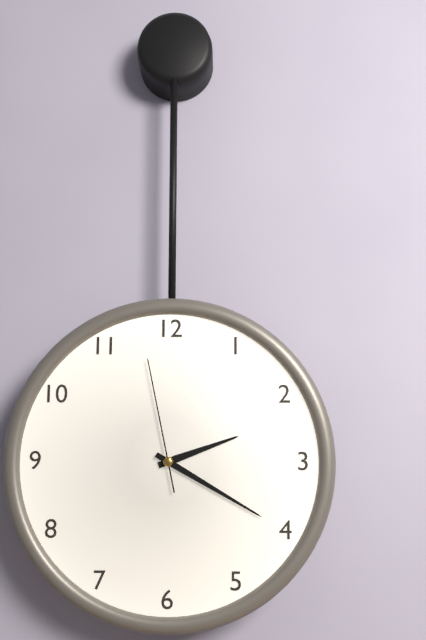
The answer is 2.20.58
